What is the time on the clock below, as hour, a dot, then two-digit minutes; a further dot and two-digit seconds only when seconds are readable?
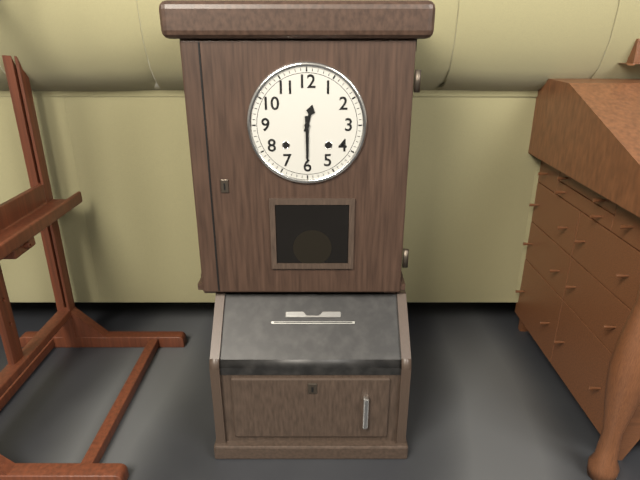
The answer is 12.30
